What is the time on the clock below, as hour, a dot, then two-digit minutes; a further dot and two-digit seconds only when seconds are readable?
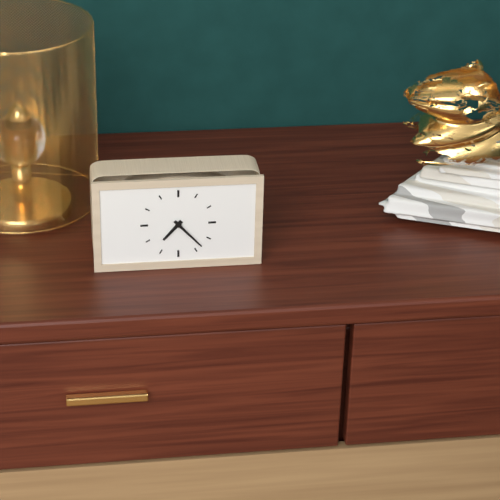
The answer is 7.23
